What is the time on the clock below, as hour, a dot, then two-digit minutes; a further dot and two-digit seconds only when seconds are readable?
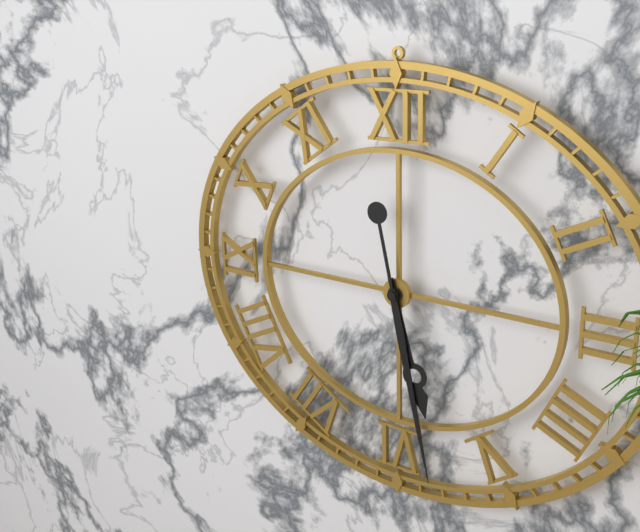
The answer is 5.28
